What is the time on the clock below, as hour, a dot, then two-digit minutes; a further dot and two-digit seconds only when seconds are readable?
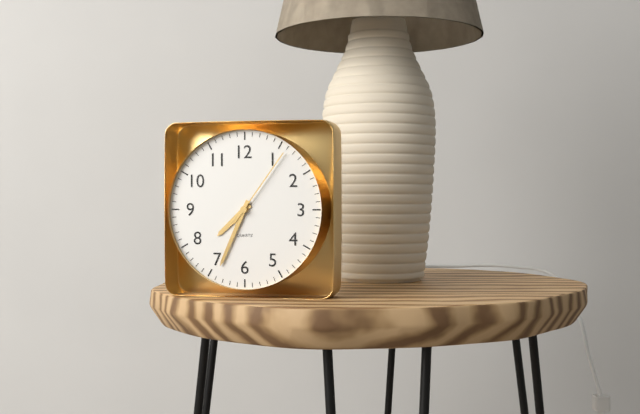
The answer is 7.34.06
